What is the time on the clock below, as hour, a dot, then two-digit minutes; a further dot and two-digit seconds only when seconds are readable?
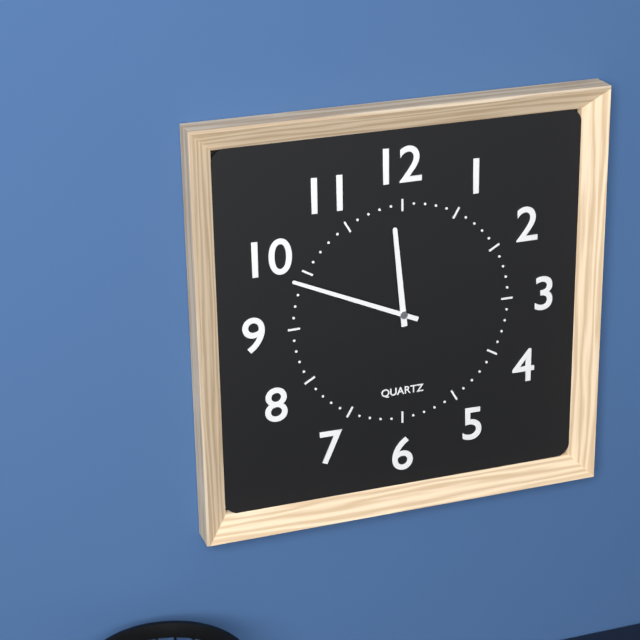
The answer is 11.49
